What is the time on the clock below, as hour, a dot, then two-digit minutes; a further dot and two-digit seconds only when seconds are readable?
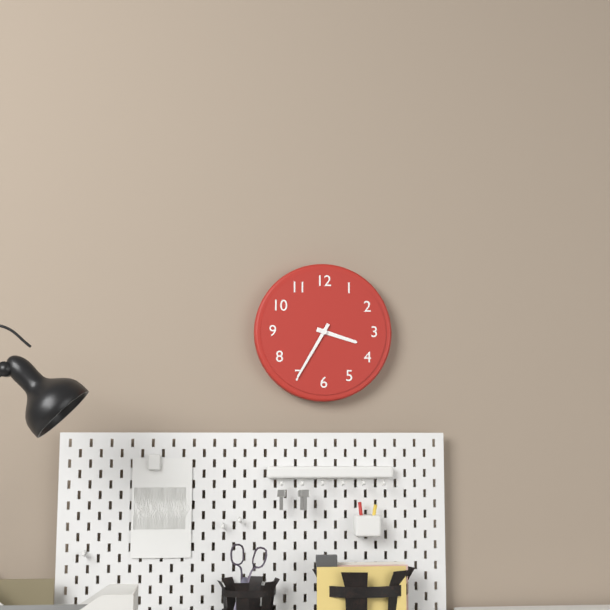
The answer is 3.35
